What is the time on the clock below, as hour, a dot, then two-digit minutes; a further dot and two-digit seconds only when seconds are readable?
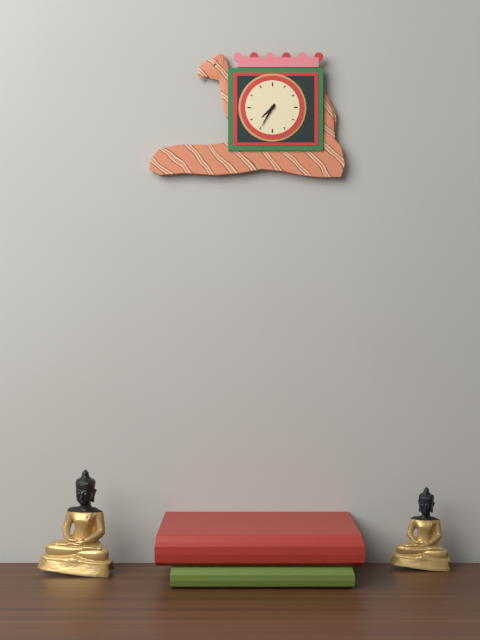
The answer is 7.35
